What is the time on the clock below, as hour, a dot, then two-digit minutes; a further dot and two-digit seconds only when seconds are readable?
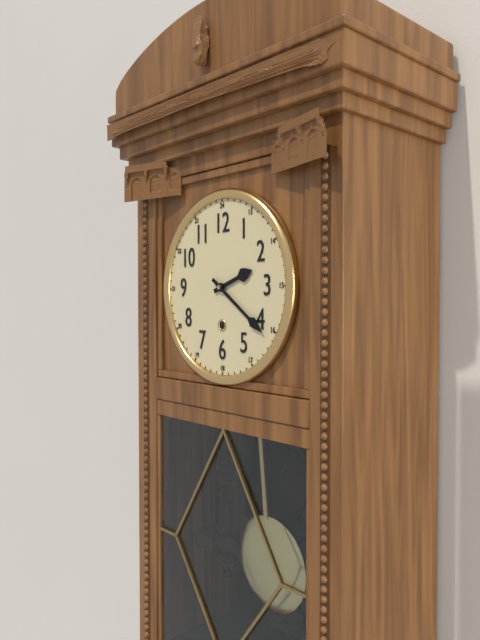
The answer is 2.21
